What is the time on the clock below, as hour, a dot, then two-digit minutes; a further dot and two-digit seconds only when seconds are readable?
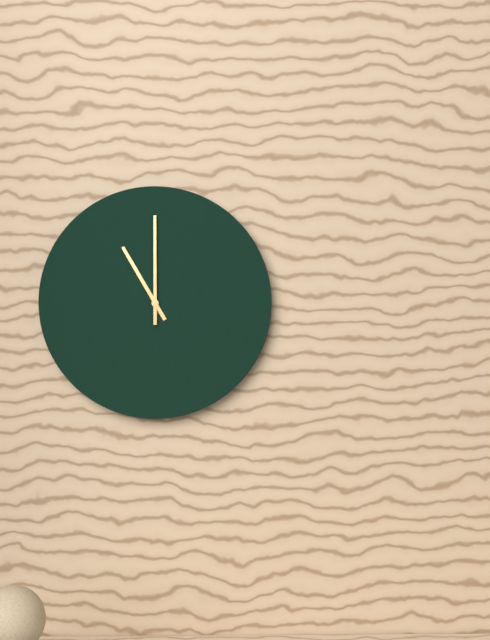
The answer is 11.00
